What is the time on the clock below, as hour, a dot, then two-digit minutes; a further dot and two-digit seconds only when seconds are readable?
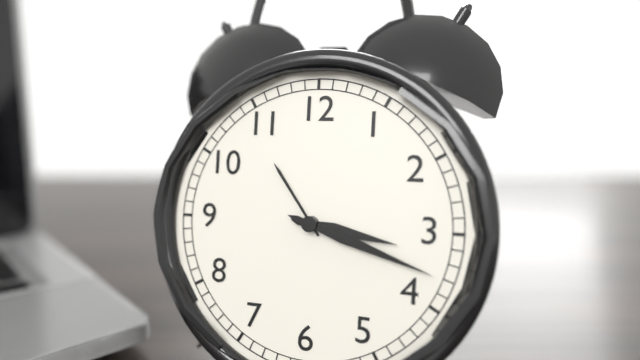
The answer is 3.18
